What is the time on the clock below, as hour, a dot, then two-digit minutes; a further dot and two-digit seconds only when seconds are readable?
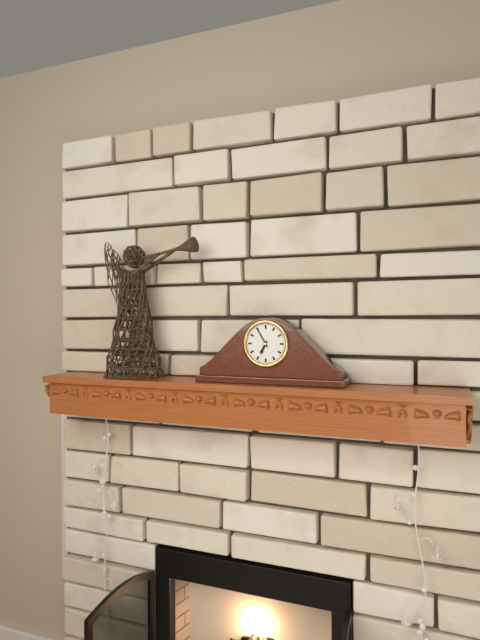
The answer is 6.55
